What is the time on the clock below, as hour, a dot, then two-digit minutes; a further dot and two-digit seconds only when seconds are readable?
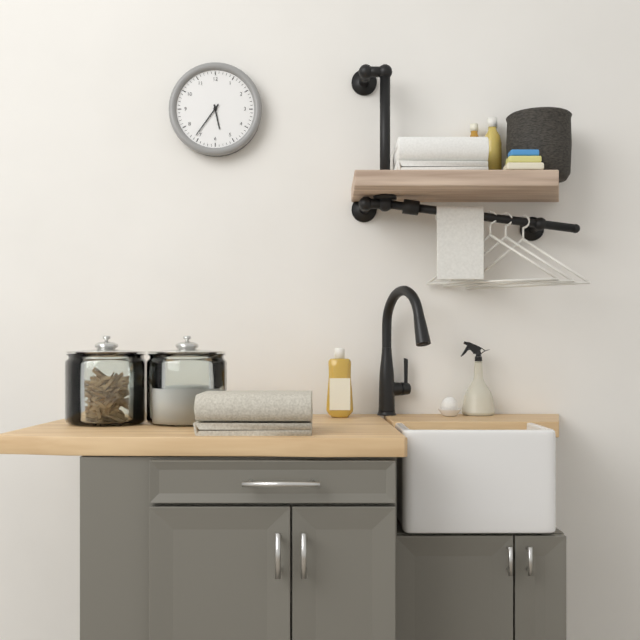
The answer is 5.36
